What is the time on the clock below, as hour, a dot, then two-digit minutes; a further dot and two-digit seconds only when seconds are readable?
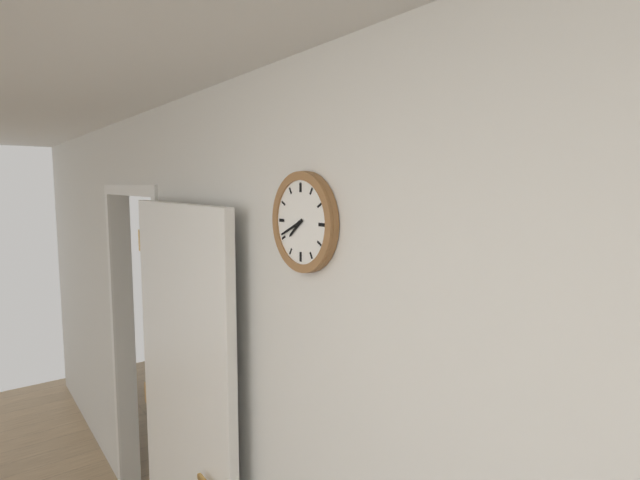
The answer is 7.41
